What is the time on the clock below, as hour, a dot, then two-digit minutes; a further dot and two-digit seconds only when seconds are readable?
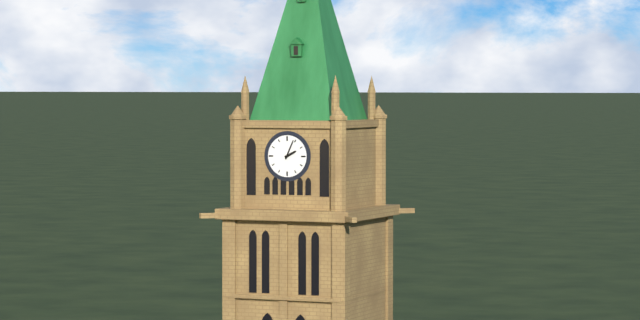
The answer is 2.04
